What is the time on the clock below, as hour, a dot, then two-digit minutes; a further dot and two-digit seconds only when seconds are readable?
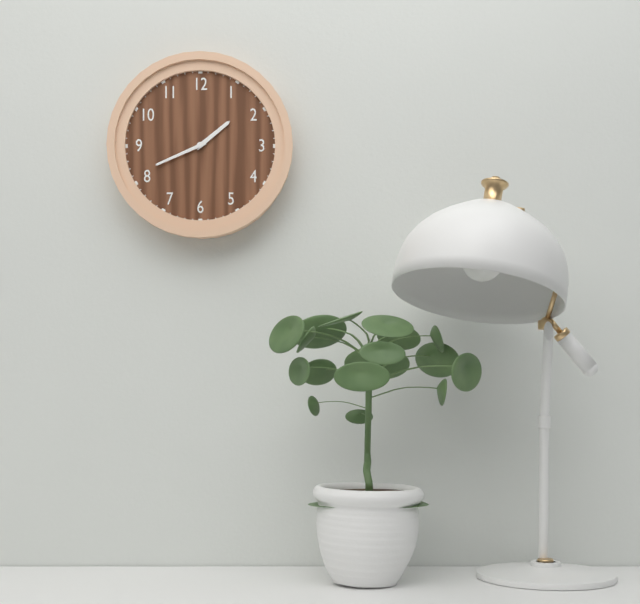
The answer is 1.41
